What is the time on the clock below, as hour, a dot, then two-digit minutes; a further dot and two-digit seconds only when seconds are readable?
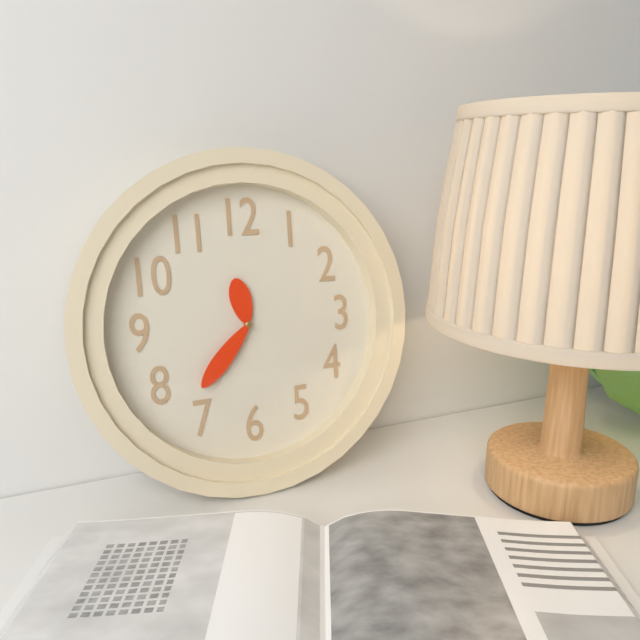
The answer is 11.37
